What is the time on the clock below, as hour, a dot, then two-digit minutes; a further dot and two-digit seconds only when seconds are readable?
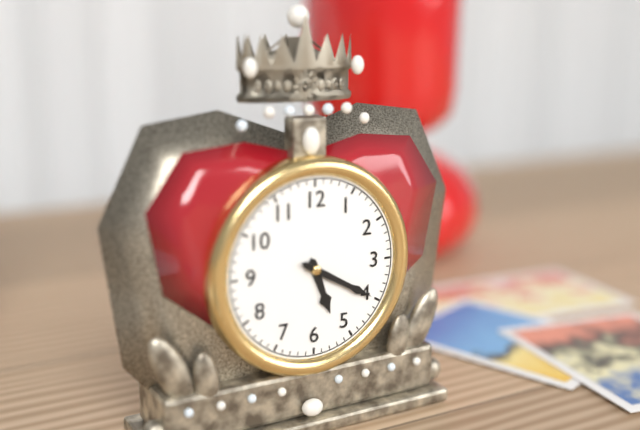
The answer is 5.20
